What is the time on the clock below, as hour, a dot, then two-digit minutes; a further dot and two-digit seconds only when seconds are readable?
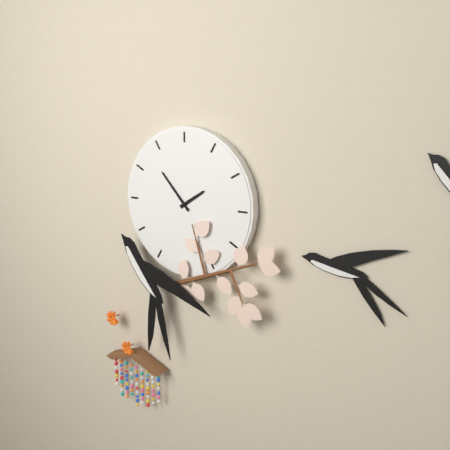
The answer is 1.53
